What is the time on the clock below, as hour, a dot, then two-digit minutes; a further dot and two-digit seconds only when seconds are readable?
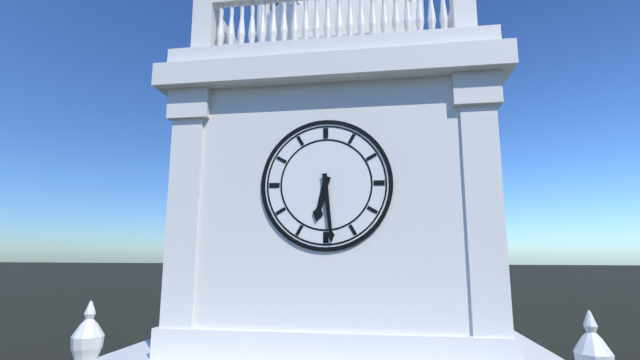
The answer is 6.29
